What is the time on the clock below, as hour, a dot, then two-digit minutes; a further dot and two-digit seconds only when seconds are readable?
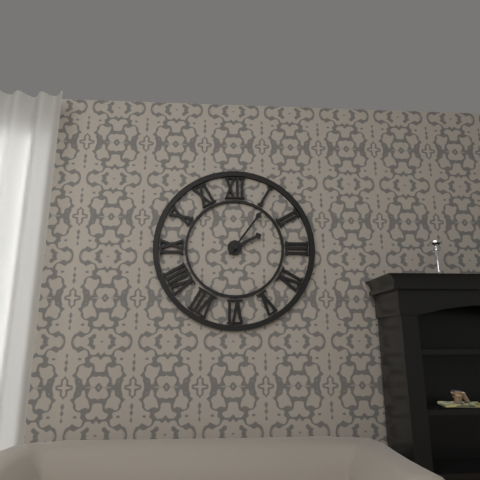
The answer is 2.06
